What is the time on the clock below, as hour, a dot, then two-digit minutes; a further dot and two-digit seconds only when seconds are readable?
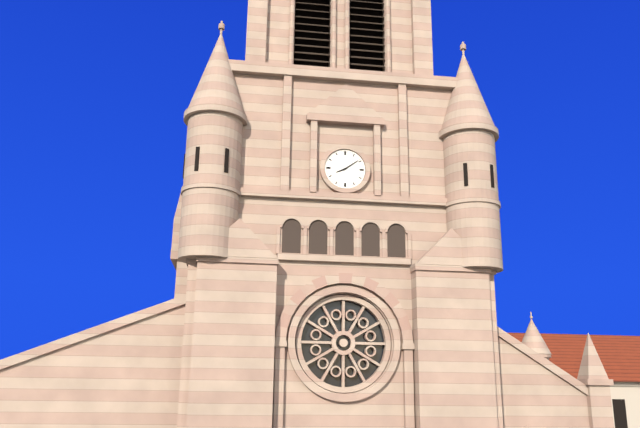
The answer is 8.09
